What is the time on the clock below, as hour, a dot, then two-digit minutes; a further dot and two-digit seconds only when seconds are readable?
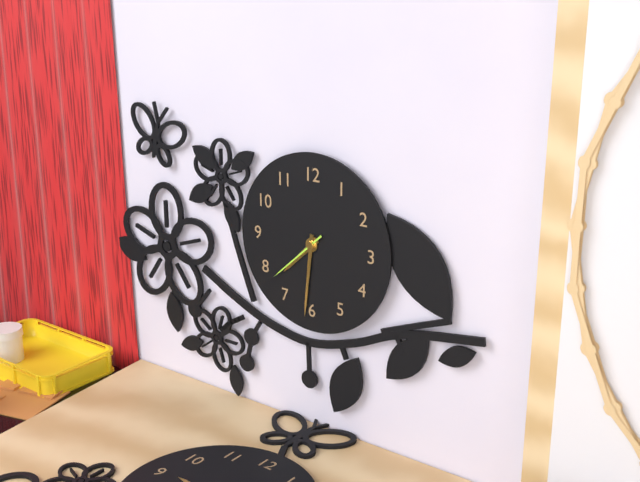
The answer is 7.31.38
